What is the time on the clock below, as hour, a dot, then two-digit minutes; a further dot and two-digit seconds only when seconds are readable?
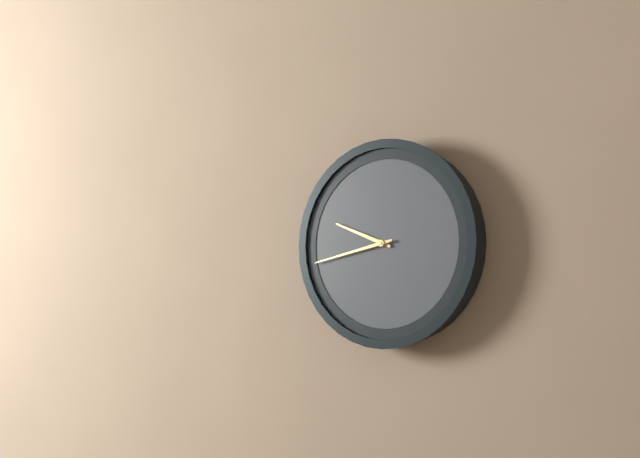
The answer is 9.43
